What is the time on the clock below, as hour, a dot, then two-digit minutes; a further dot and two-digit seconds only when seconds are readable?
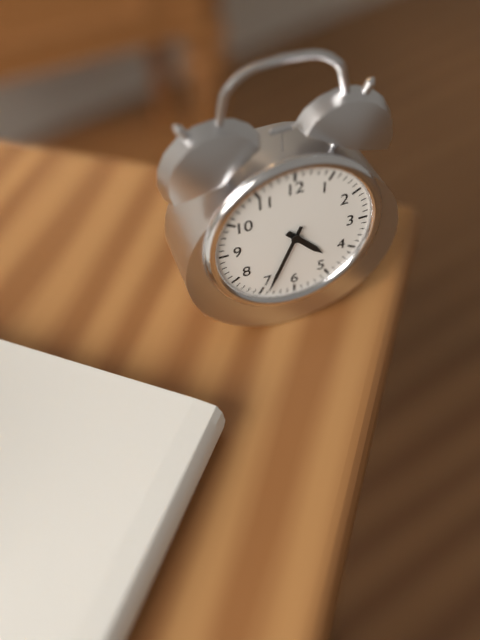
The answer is 4.34
